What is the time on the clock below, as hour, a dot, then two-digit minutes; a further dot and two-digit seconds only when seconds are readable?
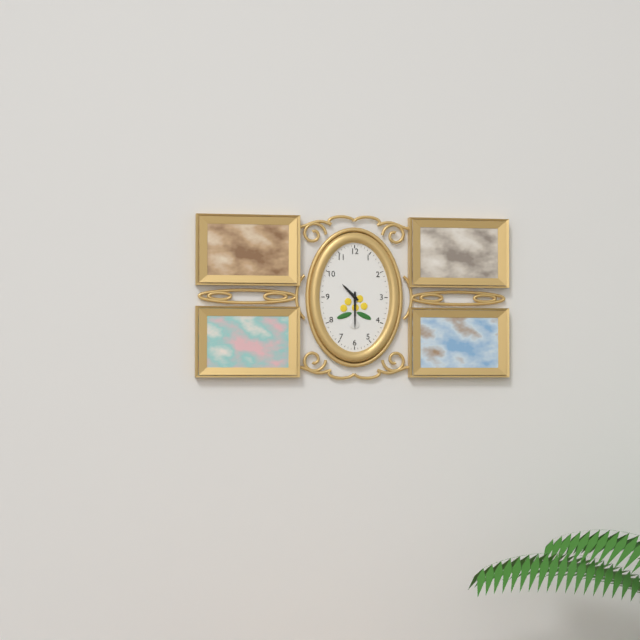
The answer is 10.30
